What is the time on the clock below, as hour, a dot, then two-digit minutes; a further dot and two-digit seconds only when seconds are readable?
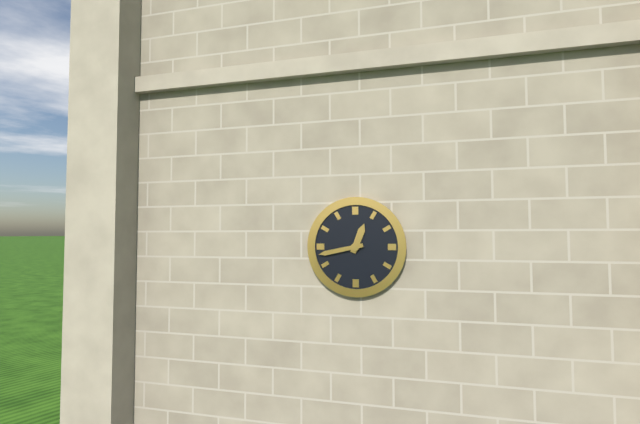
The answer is 12.43
